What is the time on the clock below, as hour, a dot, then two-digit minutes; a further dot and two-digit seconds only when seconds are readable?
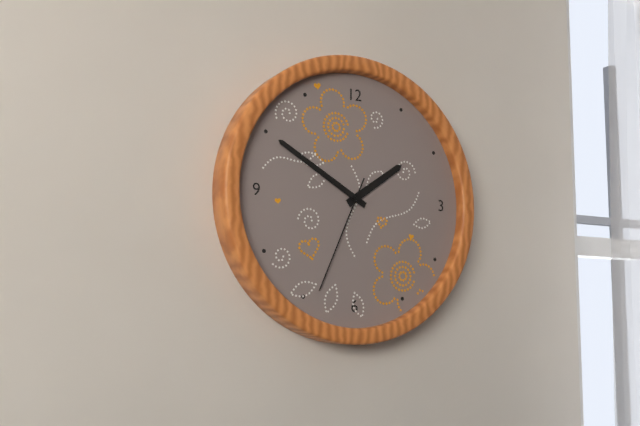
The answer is 1.50.34
